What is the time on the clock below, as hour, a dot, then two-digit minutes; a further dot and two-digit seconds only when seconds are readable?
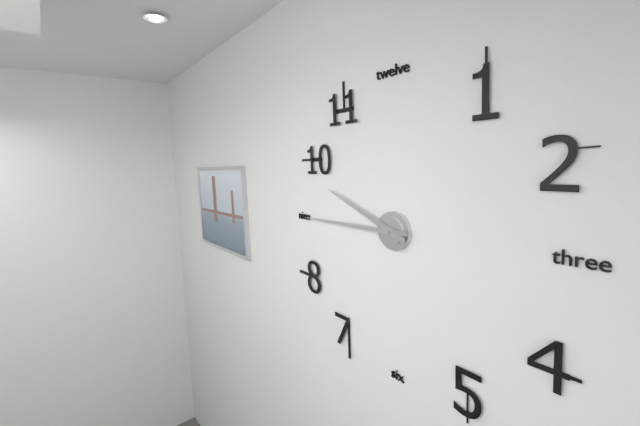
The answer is 9.45
